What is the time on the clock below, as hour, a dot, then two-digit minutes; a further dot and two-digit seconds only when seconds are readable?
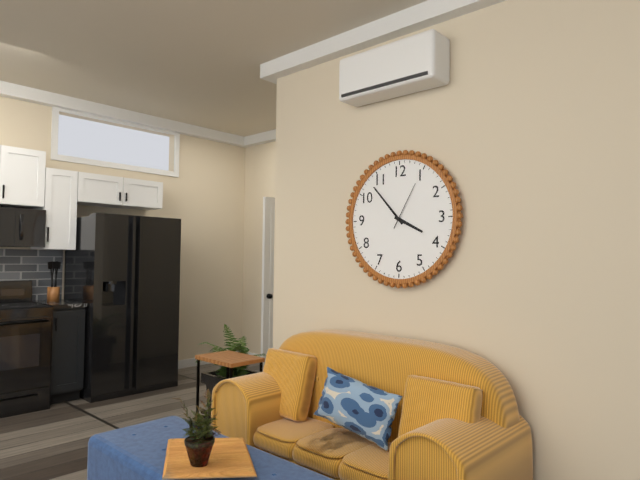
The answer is 3.53
